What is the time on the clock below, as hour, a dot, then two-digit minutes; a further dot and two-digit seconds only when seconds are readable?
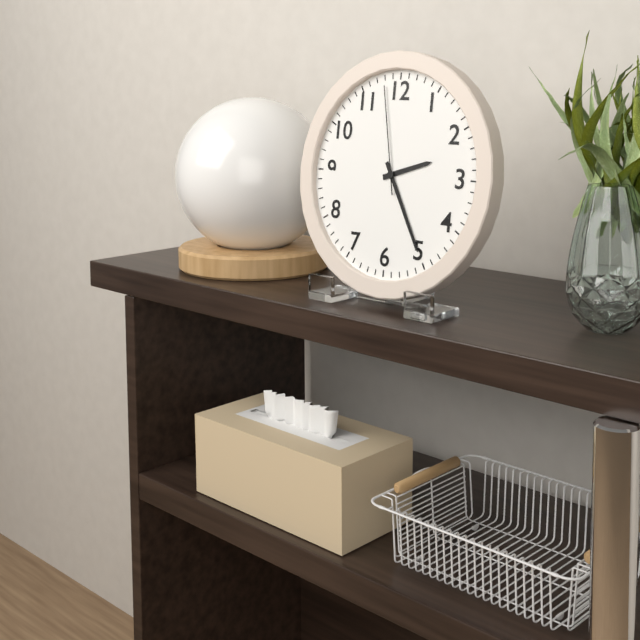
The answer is 2.25.58
